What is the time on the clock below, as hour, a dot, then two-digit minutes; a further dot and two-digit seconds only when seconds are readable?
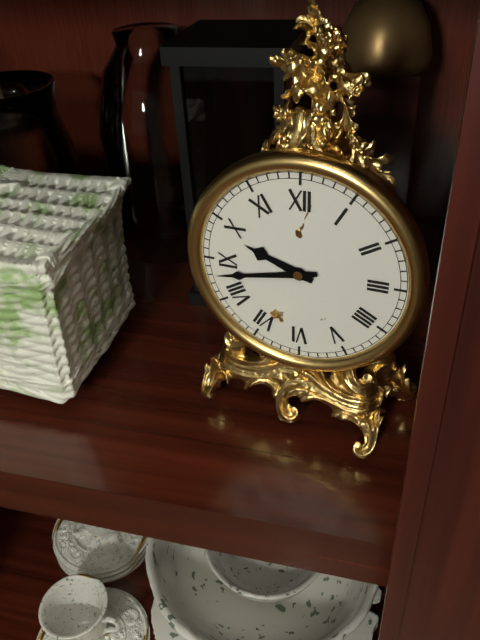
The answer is 9.43
